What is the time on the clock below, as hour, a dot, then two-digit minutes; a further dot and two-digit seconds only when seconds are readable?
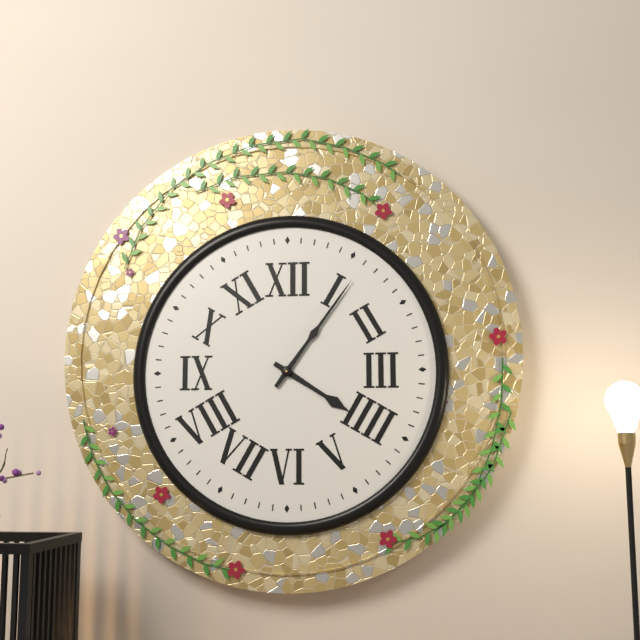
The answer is 4.06
